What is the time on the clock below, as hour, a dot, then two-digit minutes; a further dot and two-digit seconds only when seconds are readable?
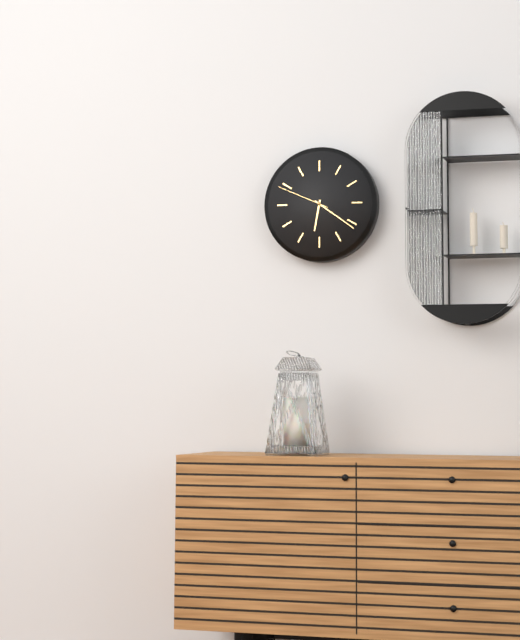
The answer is 6.21.49
